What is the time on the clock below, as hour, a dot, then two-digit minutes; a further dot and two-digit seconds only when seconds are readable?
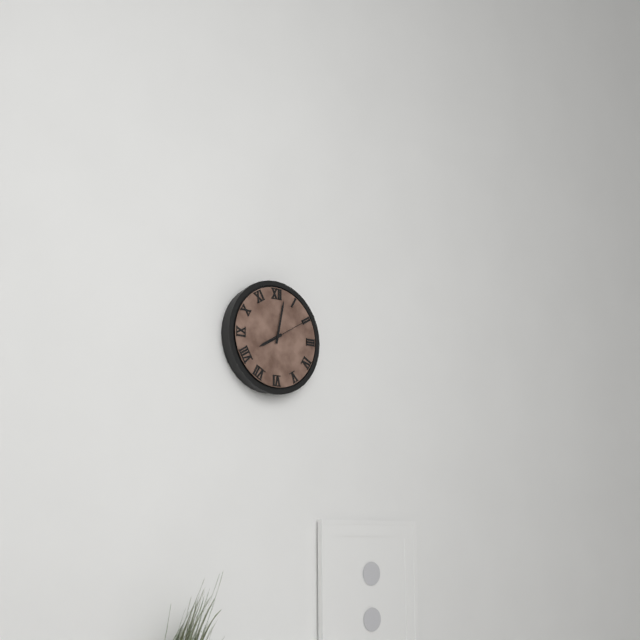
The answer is 8.02
